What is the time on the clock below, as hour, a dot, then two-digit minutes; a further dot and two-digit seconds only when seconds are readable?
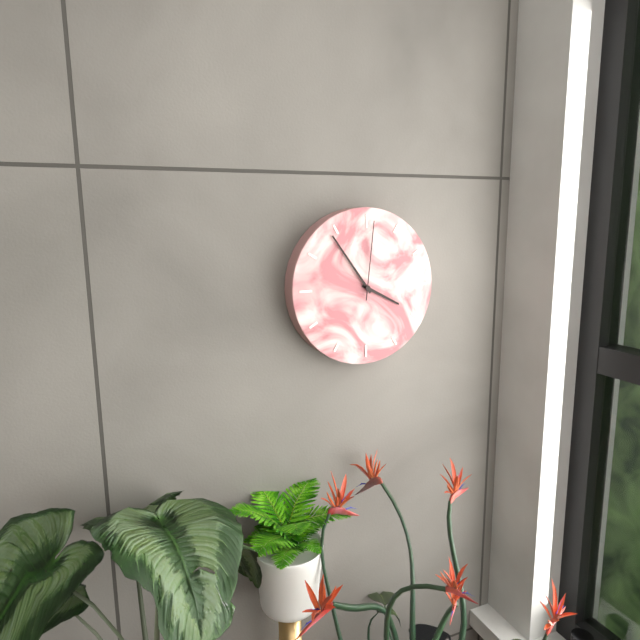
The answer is 3.54.01
